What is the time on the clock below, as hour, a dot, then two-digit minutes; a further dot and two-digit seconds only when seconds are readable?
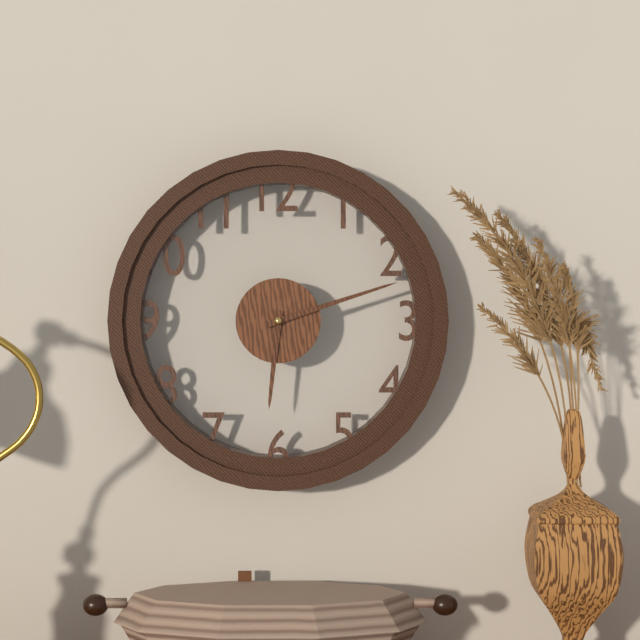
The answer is 6.12
